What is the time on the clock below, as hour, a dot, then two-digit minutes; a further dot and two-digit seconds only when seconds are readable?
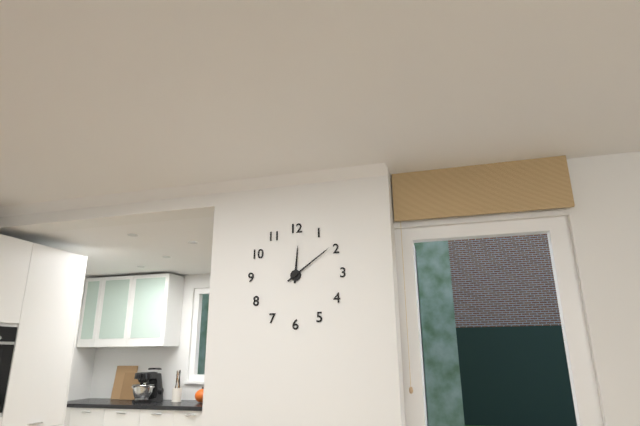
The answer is 12.09
